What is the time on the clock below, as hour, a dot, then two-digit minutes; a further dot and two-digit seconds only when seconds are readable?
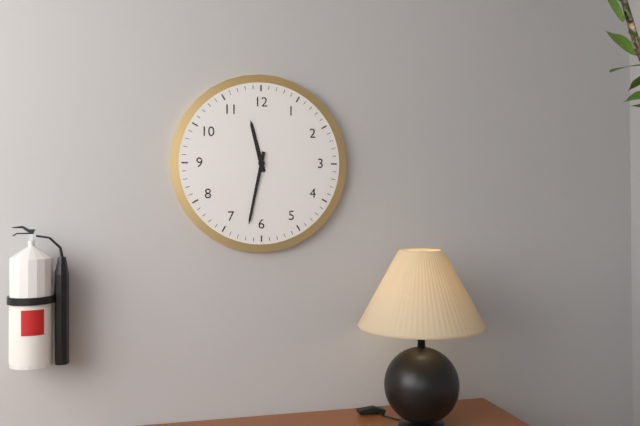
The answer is 11.32
